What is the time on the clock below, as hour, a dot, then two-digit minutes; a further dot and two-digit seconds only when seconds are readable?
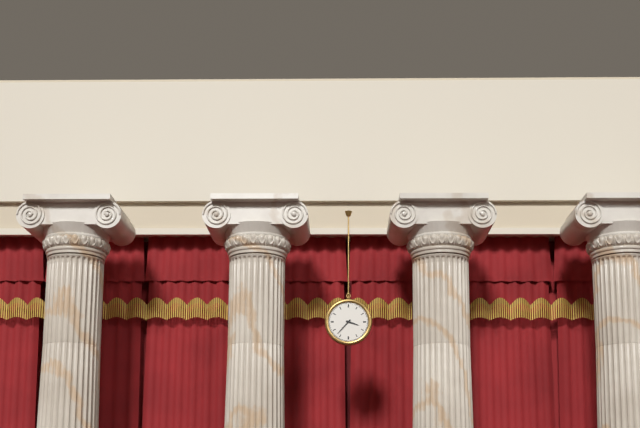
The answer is 3.37
